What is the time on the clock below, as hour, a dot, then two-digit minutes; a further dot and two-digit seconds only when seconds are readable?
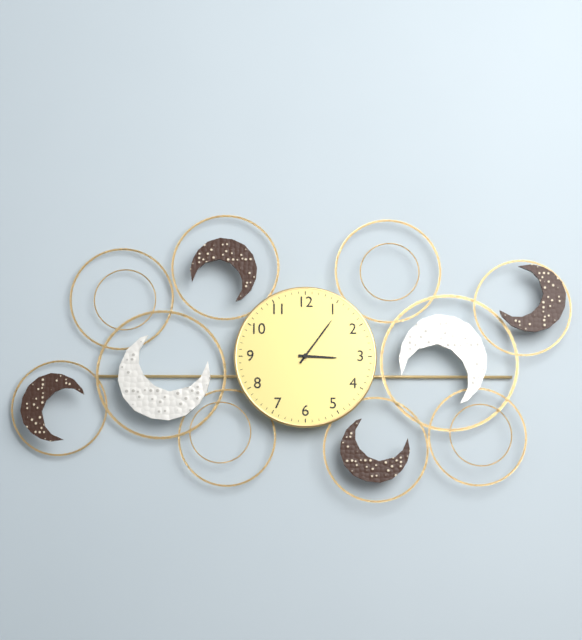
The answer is 3.06
